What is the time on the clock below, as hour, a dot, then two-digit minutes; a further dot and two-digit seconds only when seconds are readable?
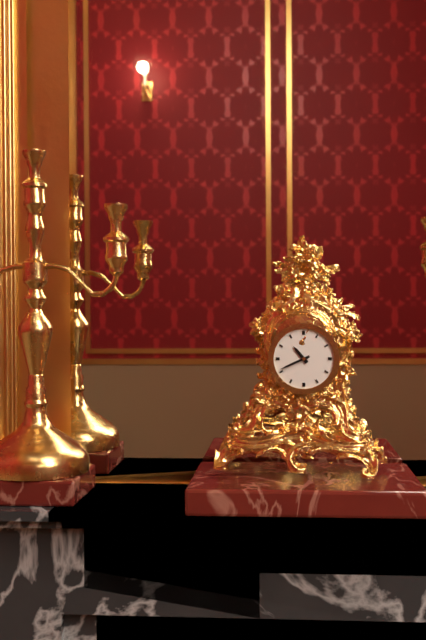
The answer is 10.41
